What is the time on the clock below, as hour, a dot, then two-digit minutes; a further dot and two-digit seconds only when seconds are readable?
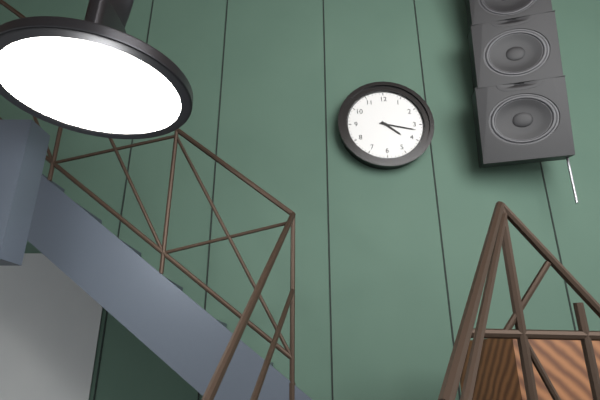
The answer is 4.17
